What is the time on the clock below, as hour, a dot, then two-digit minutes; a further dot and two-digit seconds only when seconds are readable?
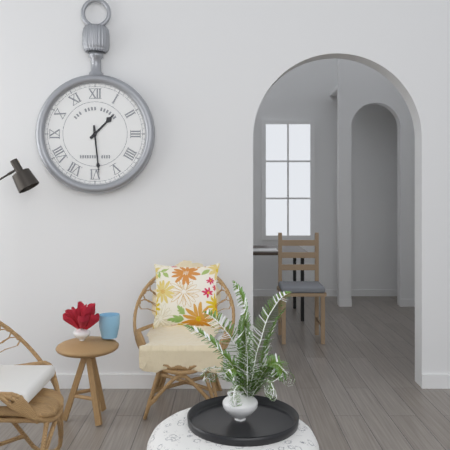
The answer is 1.29
